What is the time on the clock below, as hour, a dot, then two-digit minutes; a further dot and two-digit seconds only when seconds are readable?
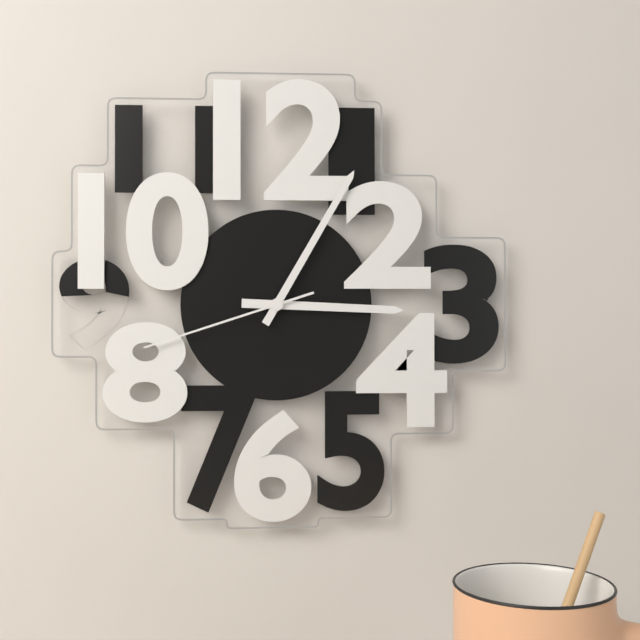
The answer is 3.05.42
